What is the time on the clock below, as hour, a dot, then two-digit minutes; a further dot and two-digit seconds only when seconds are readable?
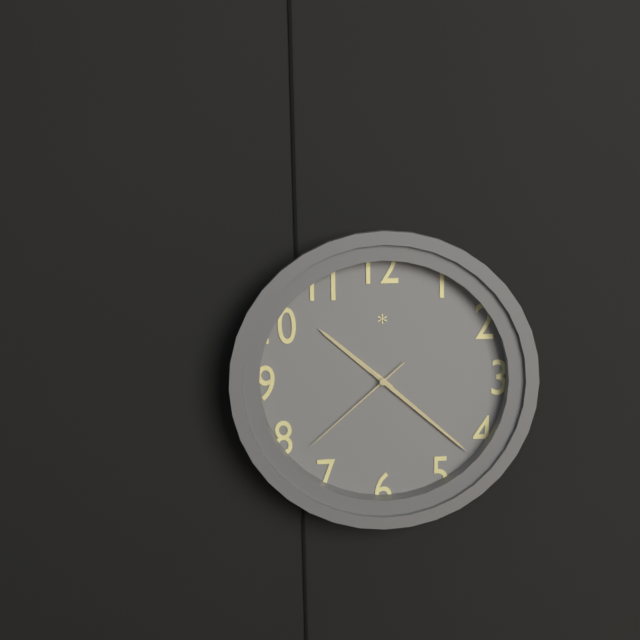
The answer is 10.22.38
